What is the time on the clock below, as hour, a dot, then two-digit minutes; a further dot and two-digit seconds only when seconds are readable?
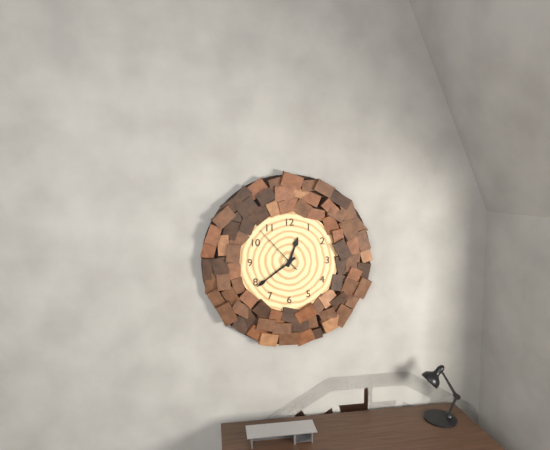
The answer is 12.39.53
